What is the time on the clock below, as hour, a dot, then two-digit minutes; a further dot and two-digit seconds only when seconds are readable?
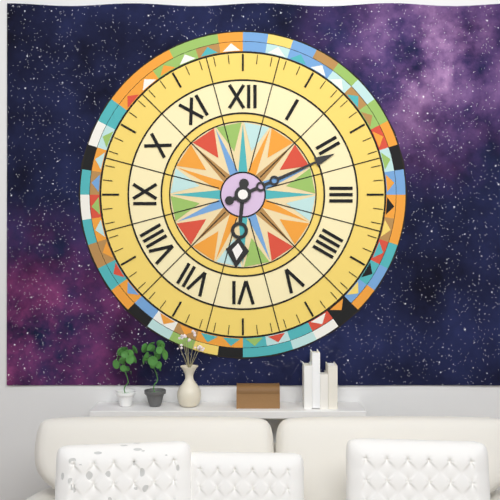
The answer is 6.11
